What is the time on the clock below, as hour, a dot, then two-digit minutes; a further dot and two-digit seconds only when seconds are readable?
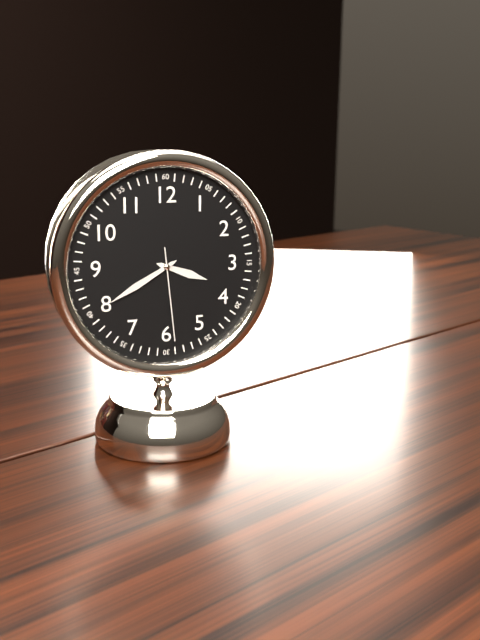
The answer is 3.40.29
